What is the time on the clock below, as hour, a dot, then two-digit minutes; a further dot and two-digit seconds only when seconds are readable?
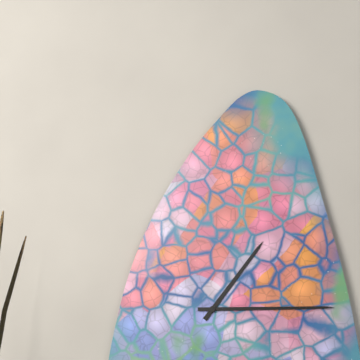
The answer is 1.15
